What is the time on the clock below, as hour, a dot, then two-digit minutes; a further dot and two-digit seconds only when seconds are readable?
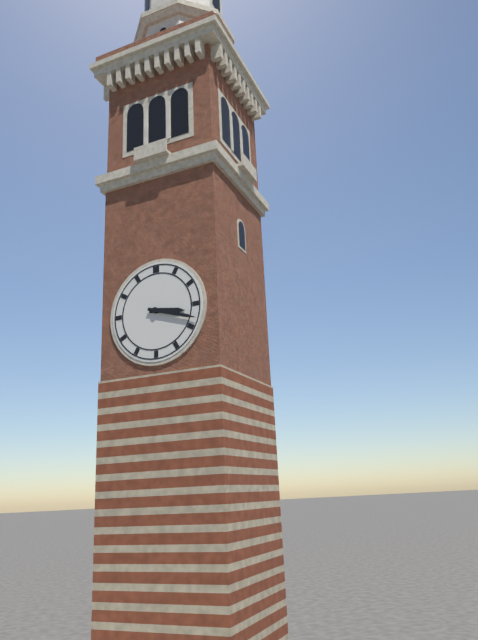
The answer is 3.18
